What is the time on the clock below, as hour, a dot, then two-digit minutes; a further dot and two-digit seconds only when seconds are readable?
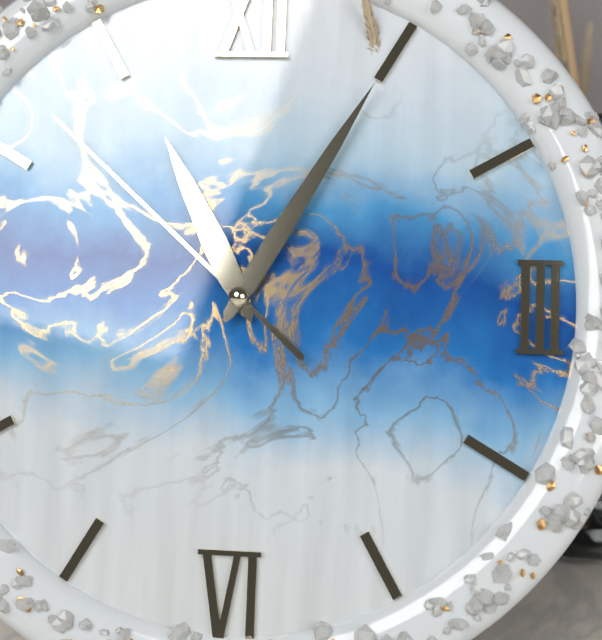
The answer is 11.05.52
